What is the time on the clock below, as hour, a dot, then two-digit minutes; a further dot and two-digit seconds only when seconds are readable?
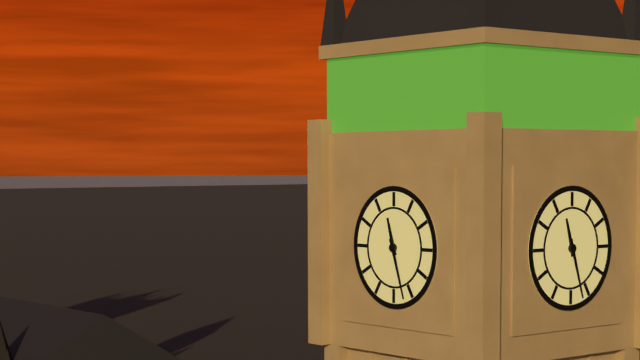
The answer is 11.27
